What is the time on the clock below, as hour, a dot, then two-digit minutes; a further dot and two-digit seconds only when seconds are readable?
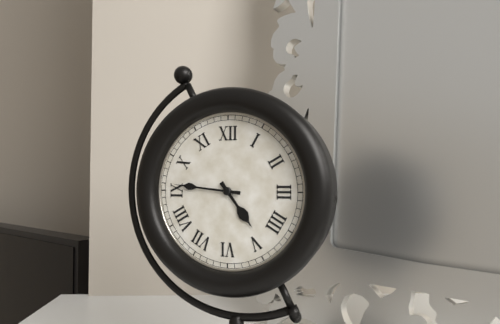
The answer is 4.46
